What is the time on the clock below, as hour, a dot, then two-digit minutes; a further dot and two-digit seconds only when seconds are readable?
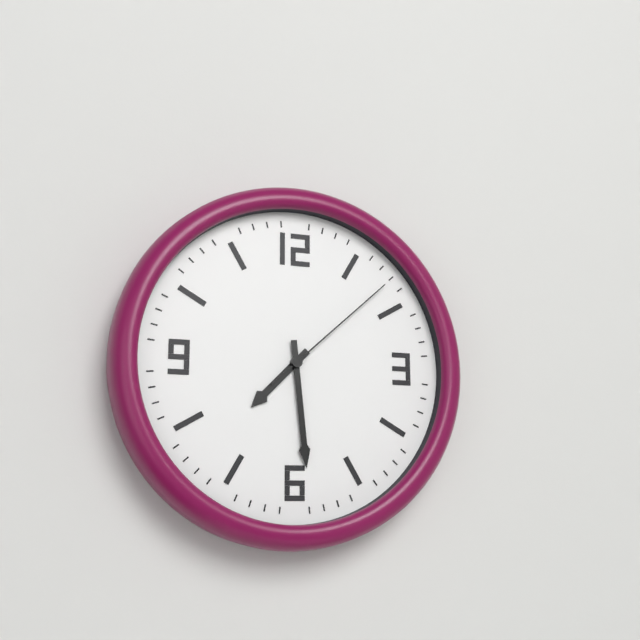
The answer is 7.29.08
